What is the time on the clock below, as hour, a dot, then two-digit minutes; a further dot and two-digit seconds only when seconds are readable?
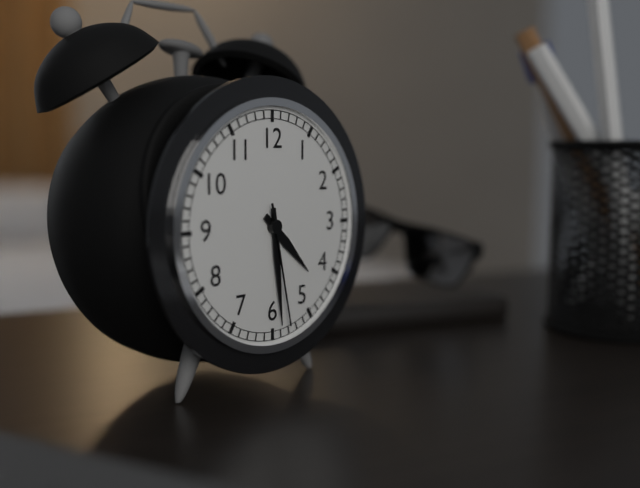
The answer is 4.29.28
